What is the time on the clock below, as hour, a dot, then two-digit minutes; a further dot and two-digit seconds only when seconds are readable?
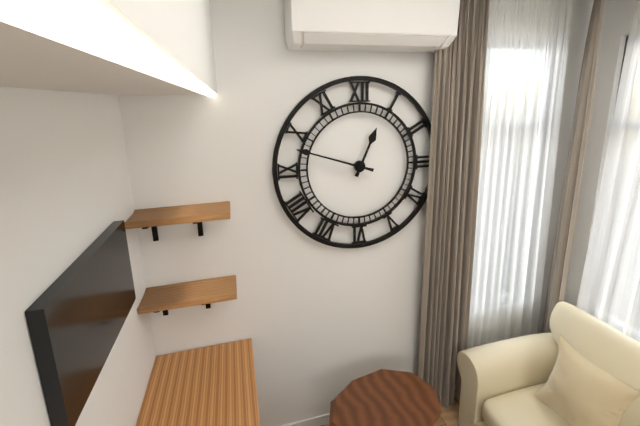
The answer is 12.48
